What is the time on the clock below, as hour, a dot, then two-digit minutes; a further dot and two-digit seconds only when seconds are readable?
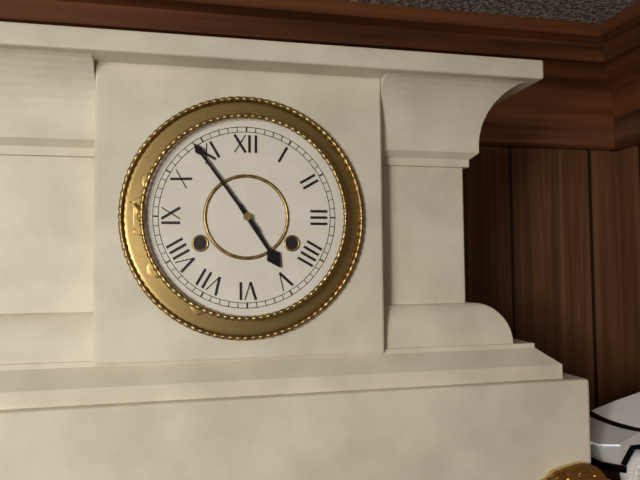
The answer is 4.54
